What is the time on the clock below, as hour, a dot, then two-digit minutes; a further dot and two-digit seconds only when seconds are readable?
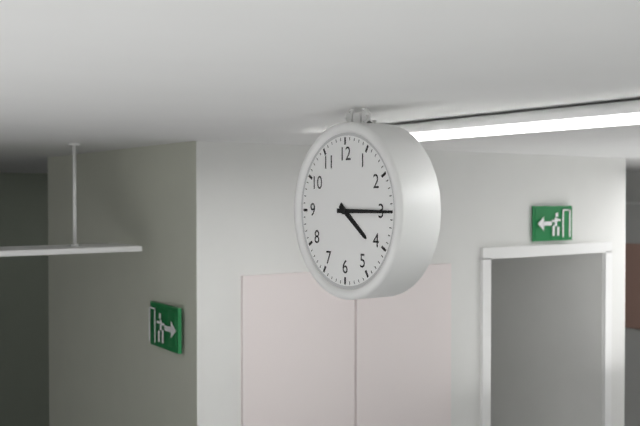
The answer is 4.15
